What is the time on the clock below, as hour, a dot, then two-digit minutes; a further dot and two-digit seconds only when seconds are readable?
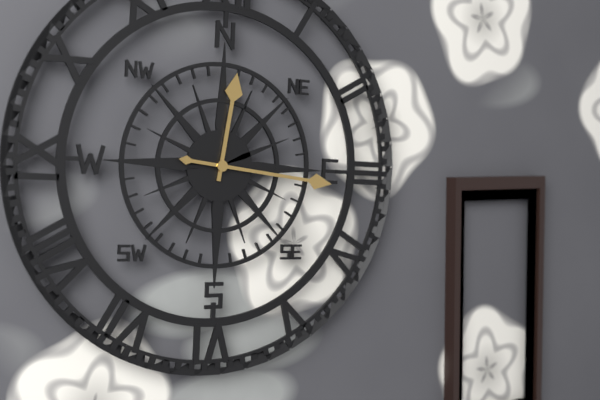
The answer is 12.16
